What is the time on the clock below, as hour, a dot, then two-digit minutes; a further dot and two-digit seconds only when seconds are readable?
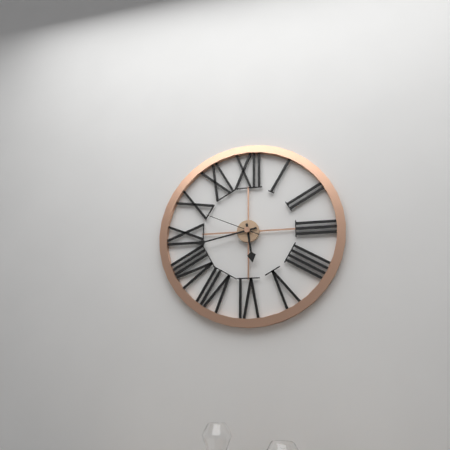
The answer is 5.43.49
